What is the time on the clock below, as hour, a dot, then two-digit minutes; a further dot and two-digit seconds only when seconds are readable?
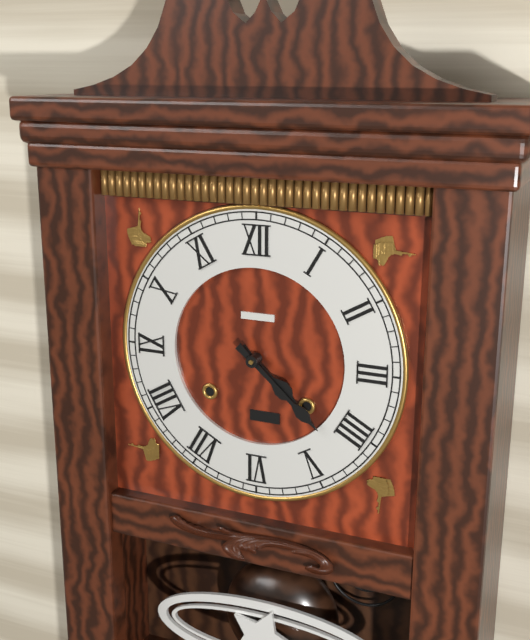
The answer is 4.22
